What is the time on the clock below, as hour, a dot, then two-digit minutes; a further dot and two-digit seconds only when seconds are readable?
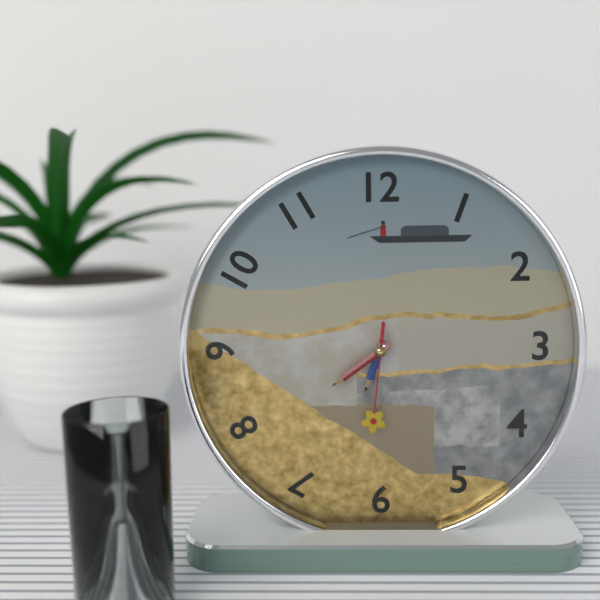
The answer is 6.39.31
